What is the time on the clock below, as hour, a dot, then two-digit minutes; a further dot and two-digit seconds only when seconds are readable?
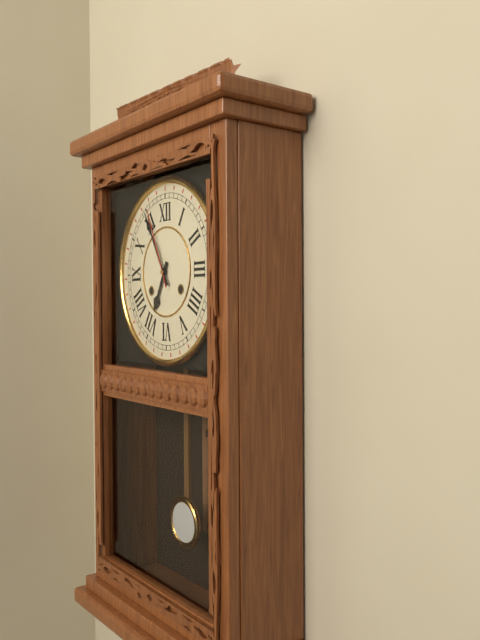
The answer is 6.55.56
